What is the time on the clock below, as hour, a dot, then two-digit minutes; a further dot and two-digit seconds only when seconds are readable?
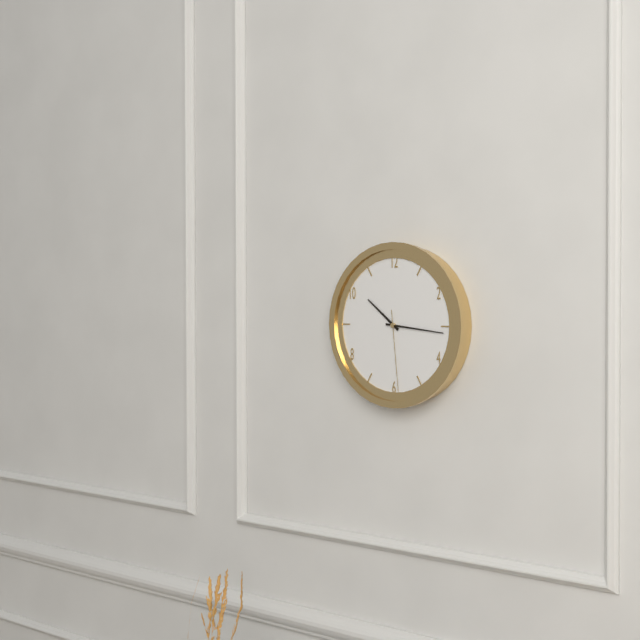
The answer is 10.16.29
